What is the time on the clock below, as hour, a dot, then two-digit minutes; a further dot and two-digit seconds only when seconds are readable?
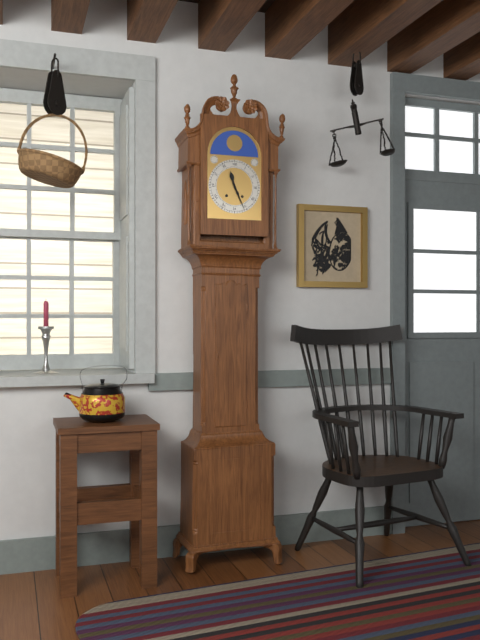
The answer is 11.26
